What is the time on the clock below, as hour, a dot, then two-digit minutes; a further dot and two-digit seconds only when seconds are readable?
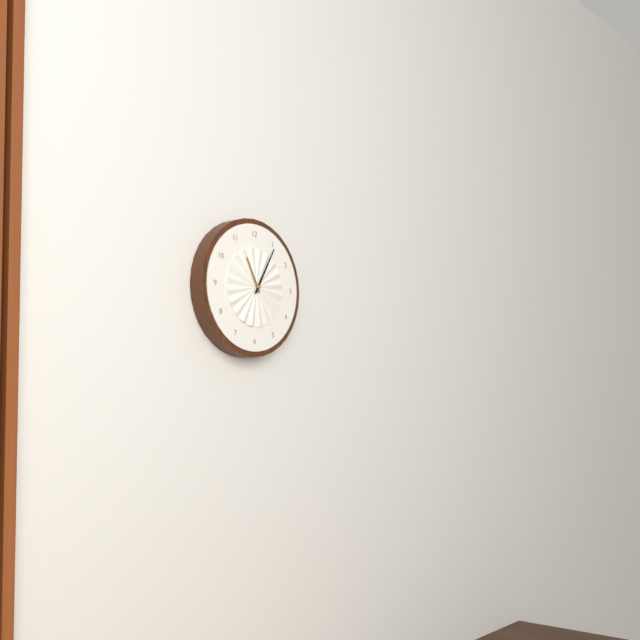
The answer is 11.05
